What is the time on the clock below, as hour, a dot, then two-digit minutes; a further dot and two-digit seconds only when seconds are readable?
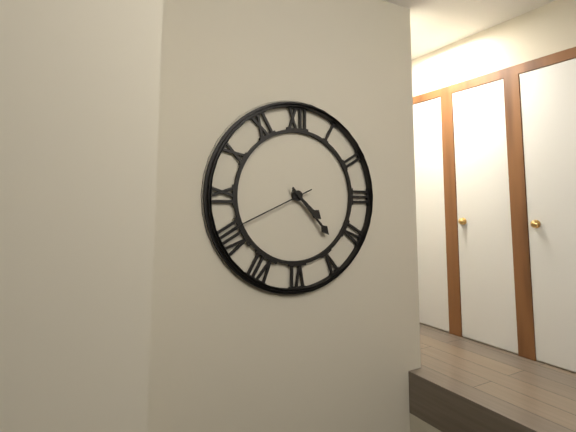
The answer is 4.23.41
